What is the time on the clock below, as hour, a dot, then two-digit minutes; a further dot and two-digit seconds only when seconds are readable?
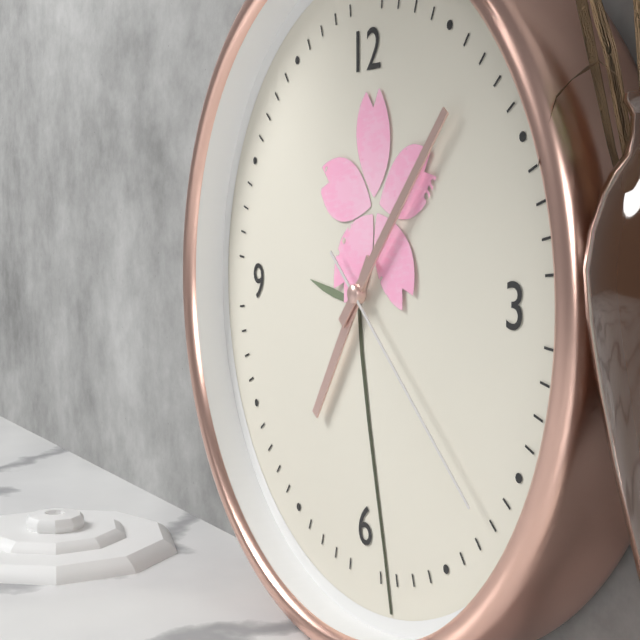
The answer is 7.07.22
